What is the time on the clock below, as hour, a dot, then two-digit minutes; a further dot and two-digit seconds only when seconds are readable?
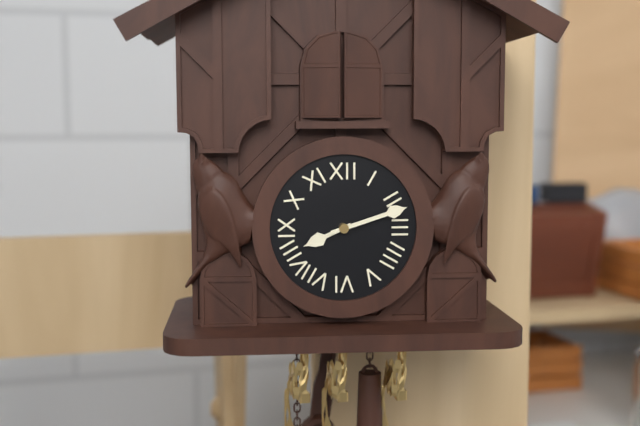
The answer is 8.12
